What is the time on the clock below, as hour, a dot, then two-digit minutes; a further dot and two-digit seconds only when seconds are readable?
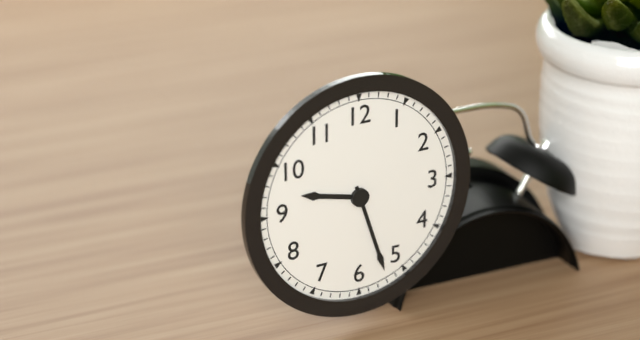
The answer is 9.27
